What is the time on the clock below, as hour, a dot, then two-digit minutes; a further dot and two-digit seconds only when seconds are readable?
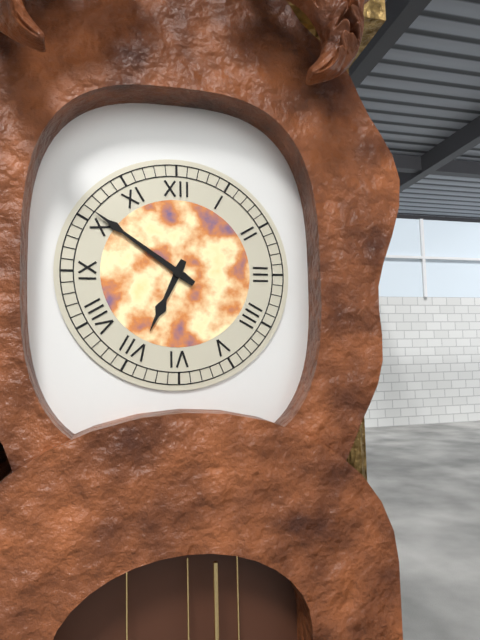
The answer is 6.51
